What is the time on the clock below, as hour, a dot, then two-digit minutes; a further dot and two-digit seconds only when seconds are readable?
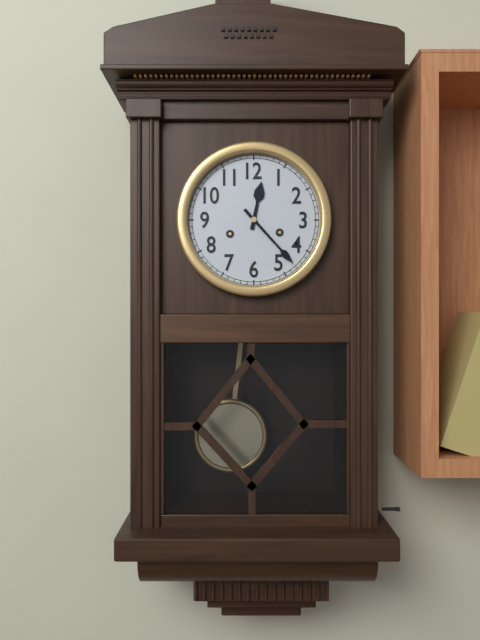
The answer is 12.23
